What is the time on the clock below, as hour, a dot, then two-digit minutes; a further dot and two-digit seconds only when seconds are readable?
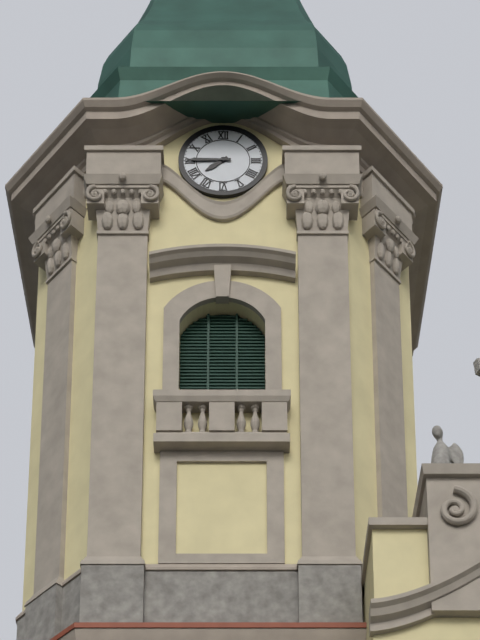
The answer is 7.45
